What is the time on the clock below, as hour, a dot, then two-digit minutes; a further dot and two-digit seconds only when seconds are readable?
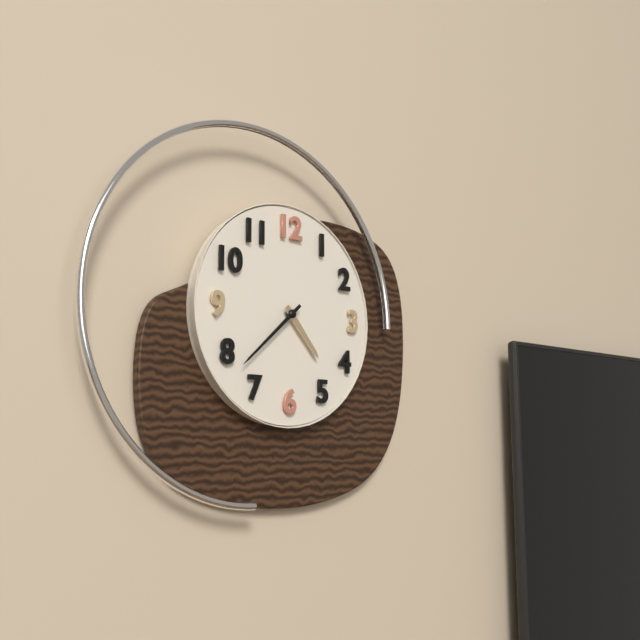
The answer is 4.38
